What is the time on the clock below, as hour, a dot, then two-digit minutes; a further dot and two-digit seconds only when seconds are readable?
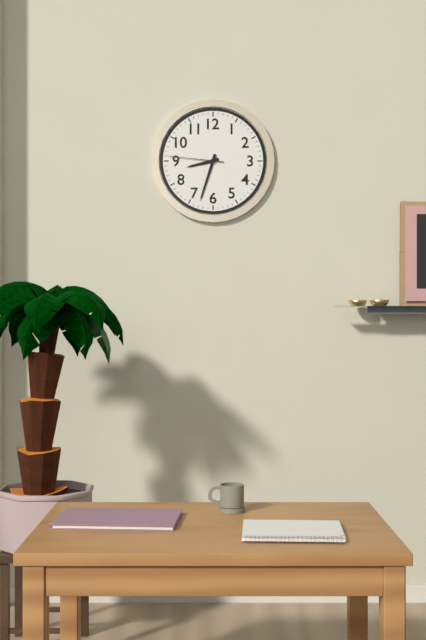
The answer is 8.33.46
